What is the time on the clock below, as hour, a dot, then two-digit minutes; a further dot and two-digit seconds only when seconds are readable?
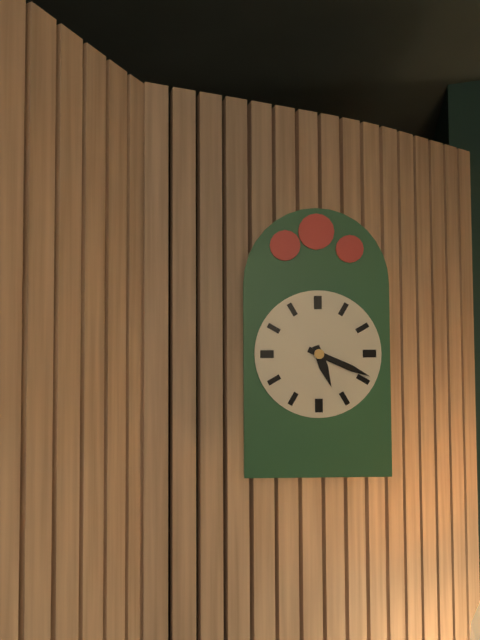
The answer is 5.19
